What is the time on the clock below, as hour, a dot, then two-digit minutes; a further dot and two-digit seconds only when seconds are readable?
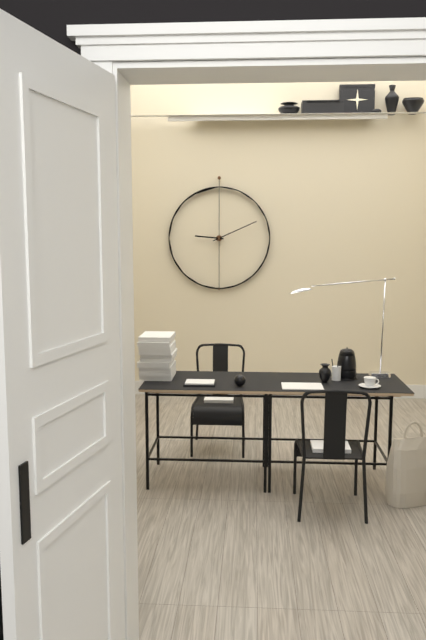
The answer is 9.11
